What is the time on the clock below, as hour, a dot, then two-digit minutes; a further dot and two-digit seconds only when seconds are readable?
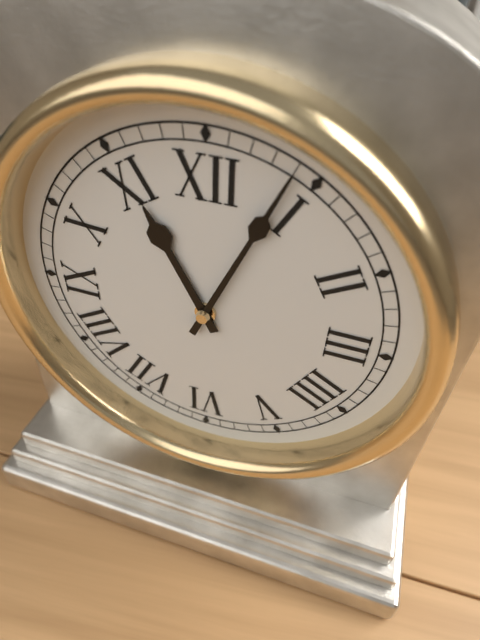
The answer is 11.04
